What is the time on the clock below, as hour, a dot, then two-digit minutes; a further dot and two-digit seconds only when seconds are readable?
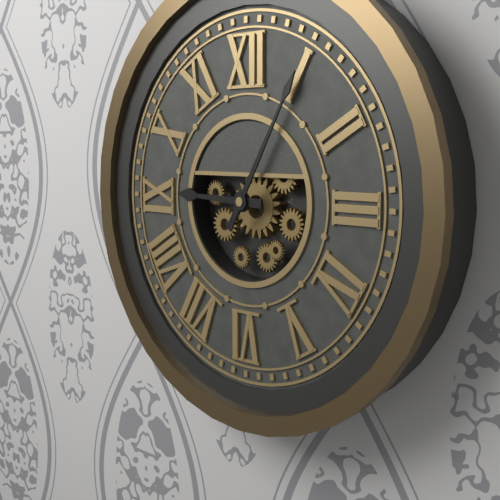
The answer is 9.05
